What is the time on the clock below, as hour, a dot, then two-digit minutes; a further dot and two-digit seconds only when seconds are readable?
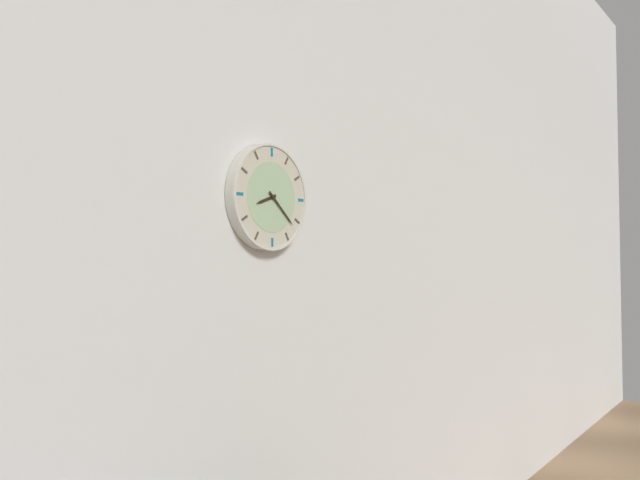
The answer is 8.22
